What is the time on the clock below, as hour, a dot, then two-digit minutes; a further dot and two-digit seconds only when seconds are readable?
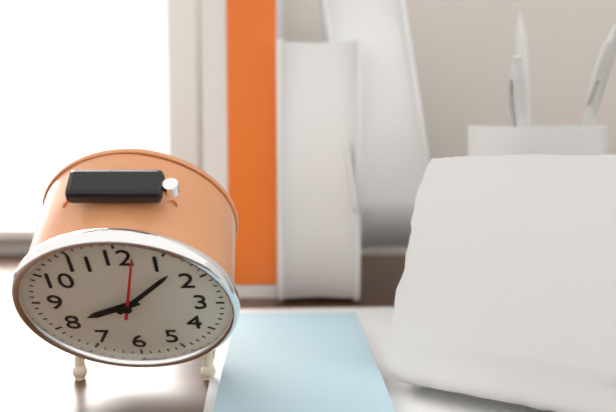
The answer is 8.07.02
